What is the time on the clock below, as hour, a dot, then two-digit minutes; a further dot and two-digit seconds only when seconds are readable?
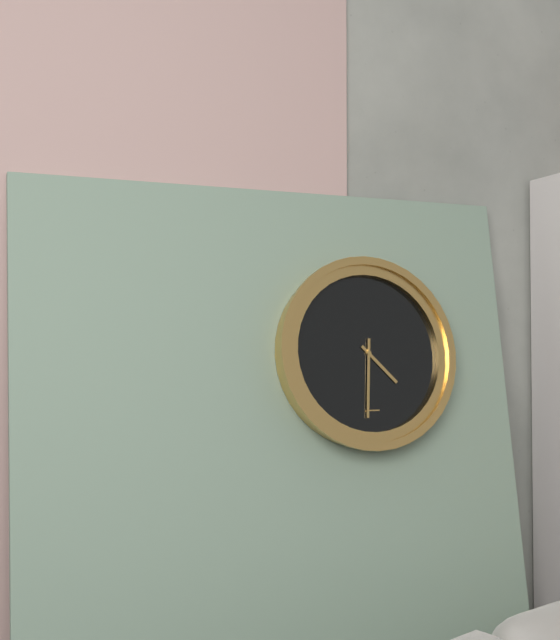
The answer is 4.31
